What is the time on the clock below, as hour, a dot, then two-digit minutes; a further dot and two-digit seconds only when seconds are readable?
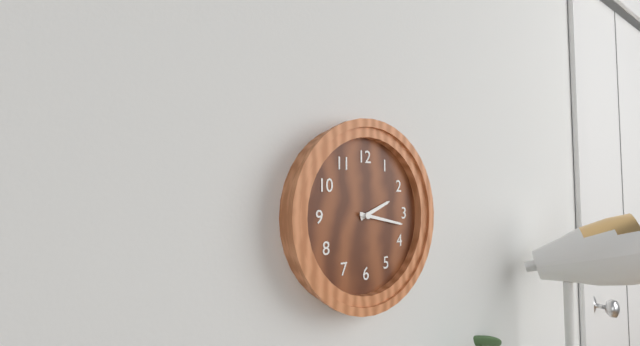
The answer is 2.17
